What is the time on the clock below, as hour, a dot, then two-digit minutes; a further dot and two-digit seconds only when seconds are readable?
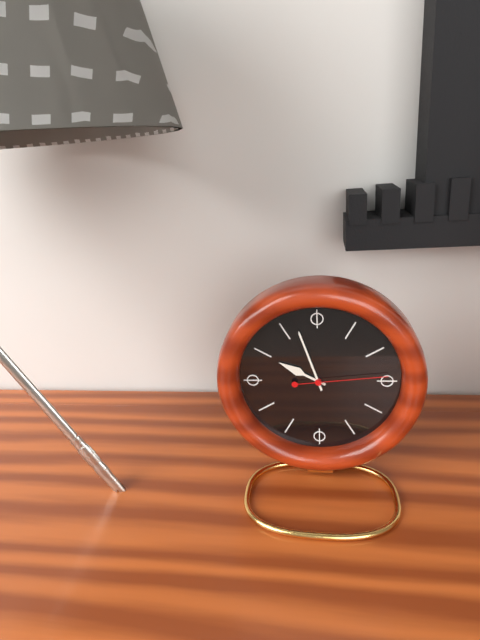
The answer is 9.57.14
